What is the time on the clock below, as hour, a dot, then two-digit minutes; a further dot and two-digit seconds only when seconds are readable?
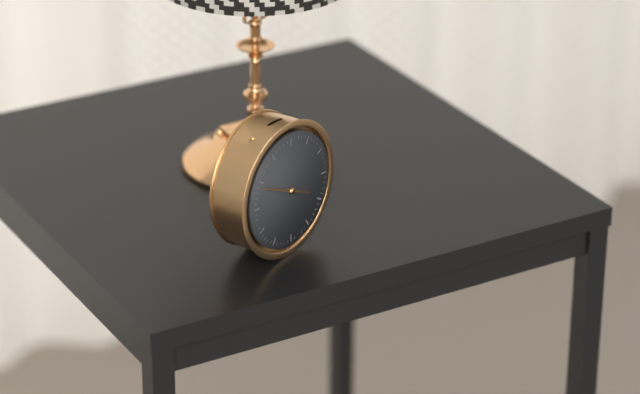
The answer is 3.49
